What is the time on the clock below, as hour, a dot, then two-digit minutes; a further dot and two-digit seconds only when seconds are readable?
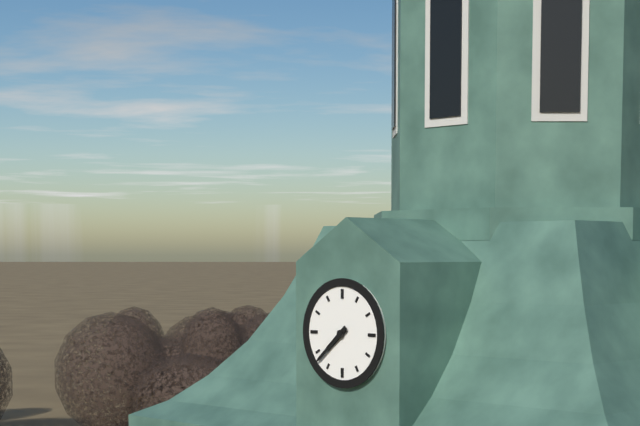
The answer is 7.38
